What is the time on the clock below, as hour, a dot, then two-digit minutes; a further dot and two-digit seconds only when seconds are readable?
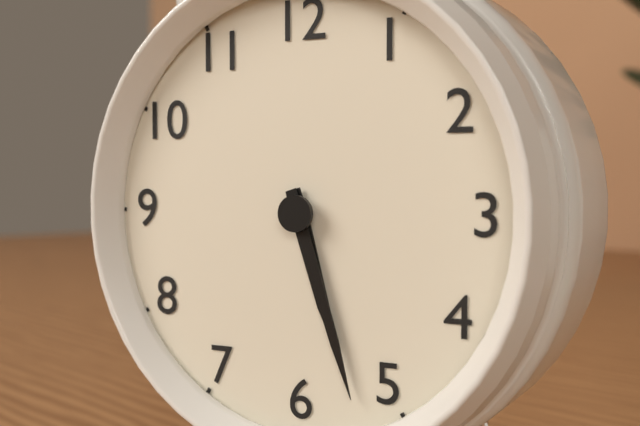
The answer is 5.27
